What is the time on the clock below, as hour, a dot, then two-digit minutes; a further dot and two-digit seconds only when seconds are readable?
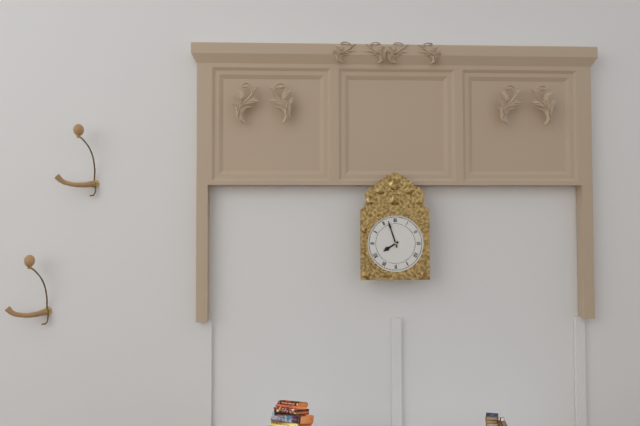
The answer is 7.57
